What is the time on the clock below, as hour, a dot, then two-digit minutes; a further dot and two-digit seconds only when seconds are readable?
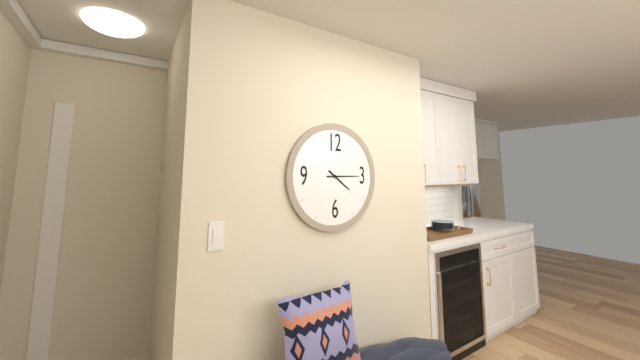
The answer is 4.15
